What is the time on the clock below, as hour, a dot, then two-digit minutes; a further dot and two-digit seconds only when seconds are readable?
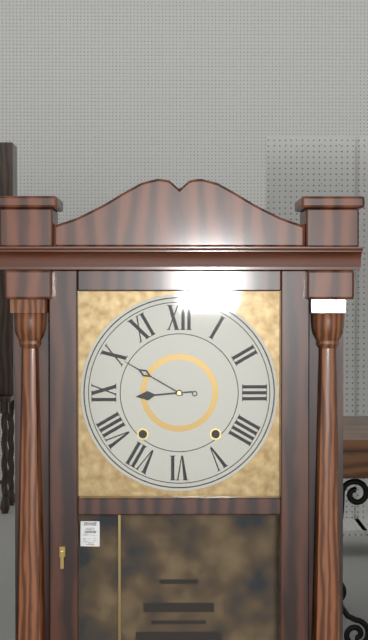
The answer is 8.50
